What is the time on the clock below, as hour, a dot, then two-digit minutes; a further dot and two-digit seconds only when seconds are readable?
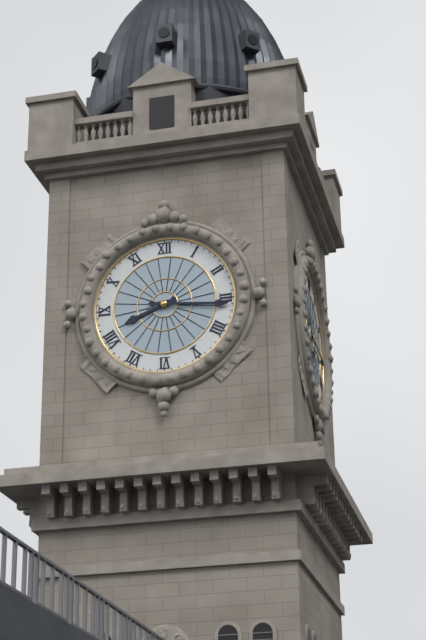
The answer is 8.16
